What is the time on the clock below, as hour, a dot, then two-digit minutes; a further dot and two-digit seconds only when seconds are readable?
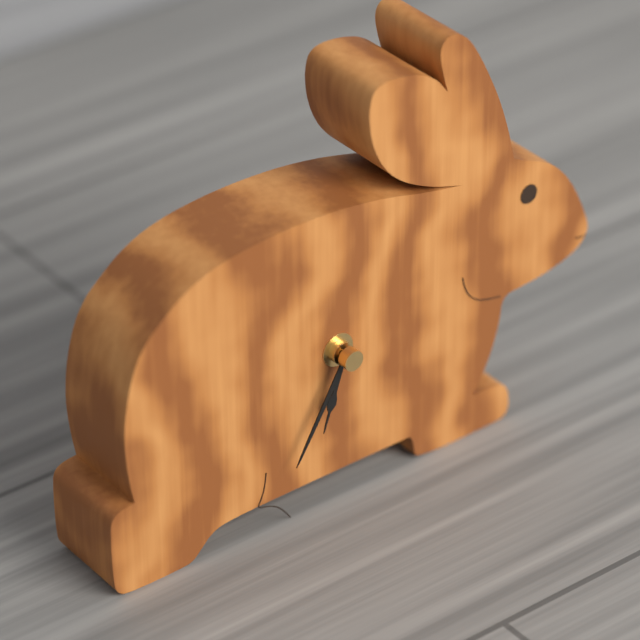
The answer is 6.35
